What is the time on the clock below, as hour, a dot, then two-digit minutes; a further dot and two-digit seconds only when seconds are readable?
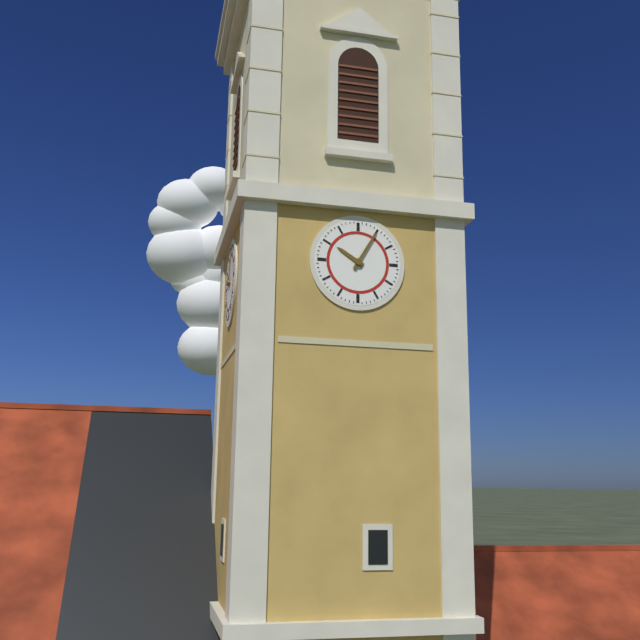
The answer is 10.05
